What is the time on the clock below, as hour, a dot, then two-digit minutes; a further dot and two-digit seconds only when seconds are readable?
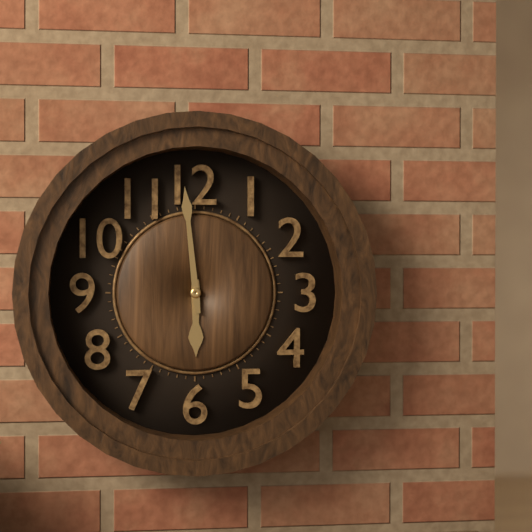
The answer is 5.59
